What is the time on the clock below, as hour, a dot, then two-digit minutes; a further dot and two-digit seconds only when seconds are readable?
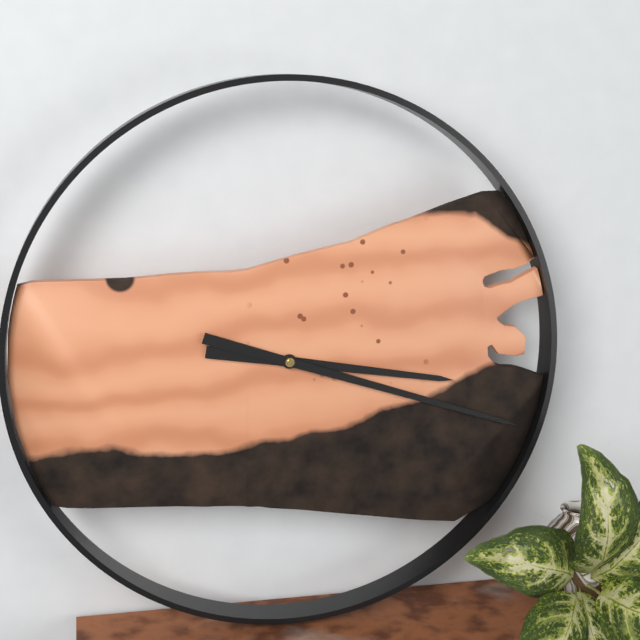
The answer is 3.18
